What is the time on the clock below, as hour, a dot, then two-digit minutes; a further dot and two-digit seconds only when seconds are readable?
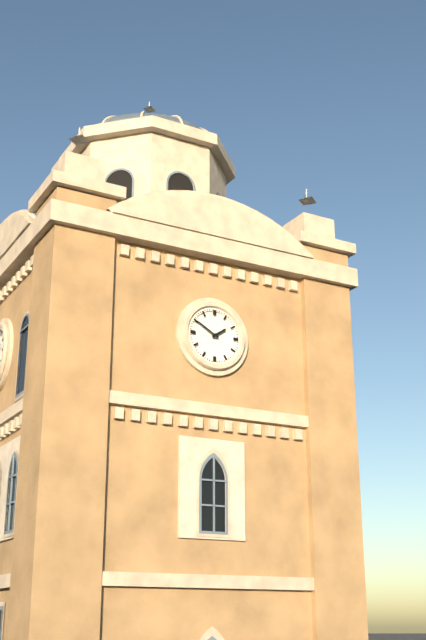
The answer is 1.50
